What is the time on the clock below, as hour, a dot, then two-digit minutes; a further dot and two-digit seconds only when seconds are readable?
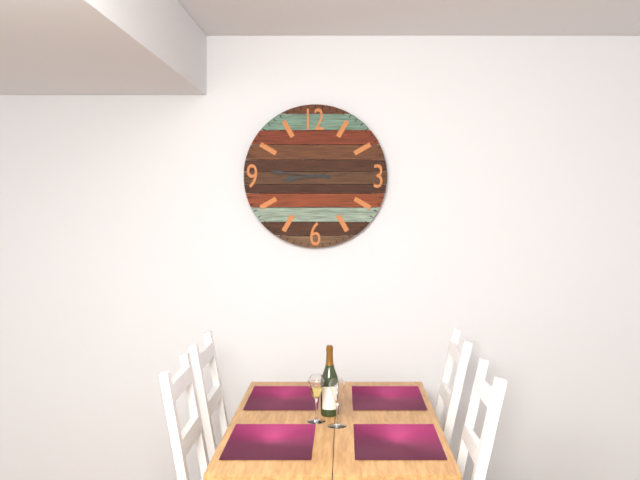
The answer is 8.46
